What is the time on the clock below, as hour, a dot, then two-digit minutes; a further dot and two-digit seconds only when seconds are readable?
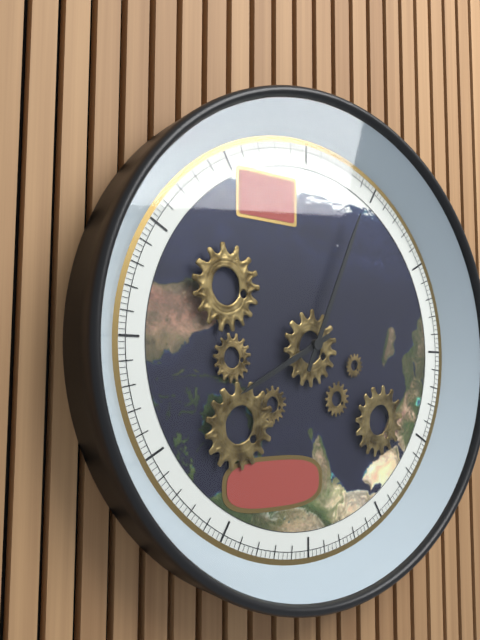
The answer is 8.04
